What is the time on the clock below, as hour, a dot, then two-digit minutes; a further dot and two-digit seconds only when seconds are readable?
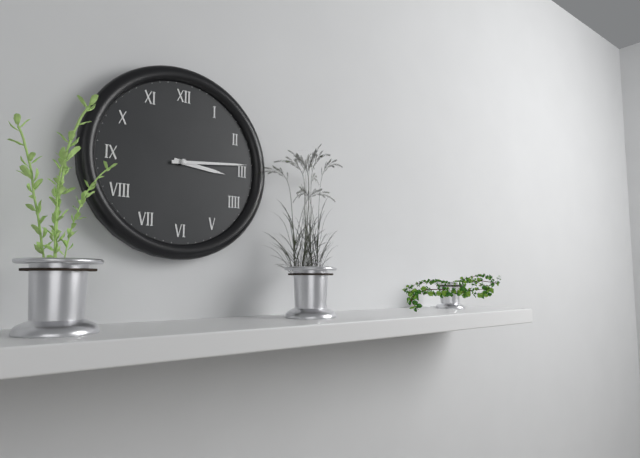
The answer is 3.14
